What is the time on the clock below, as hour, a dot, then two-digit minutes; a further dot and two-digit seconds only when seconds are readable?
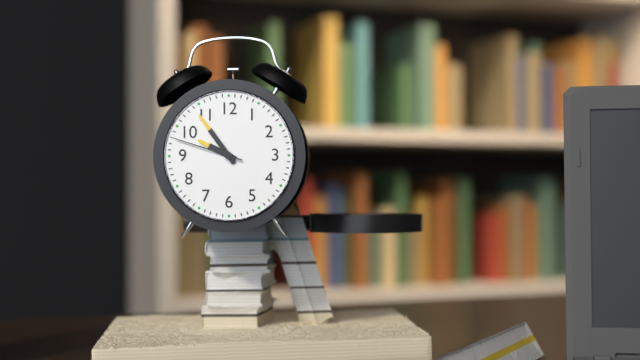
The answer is 9.54.48
